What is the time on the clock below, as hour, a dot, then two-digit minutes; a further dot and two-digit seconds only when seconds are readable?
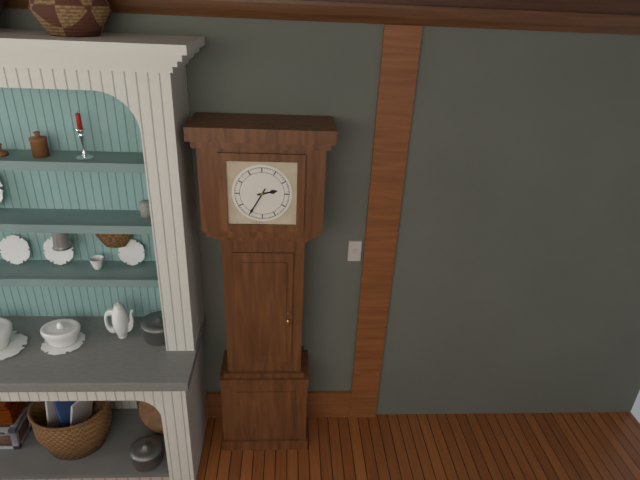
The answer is 2.35
